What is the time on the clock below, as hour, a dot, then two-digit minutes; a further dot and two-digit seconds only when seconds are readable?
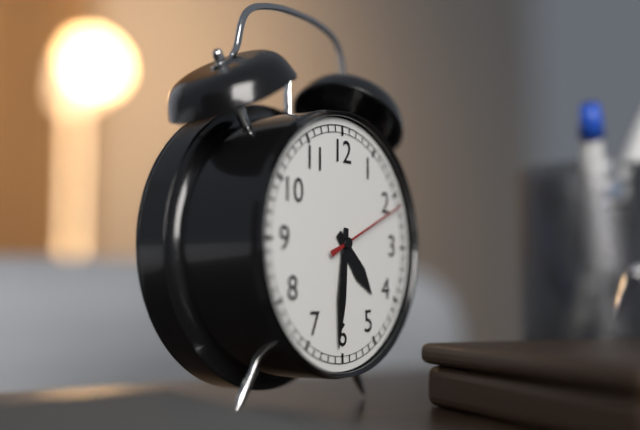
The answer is 4.31.11
